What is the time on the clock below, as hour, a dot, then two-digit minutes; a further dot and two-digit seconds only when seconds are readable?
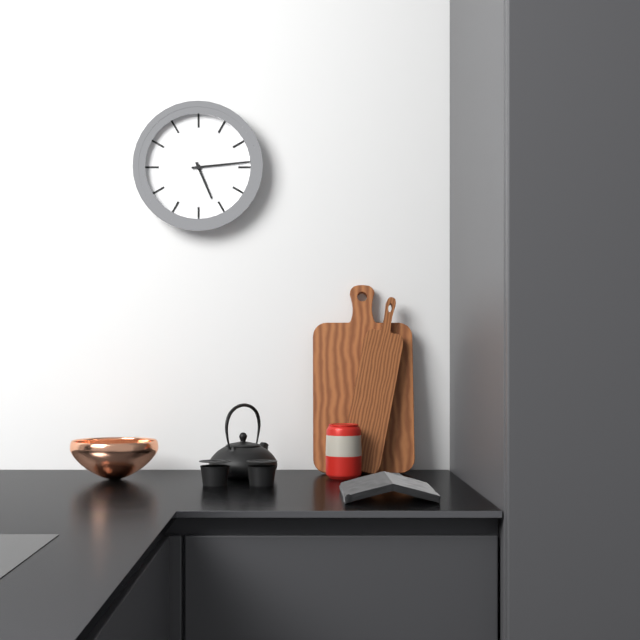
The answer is 5.14
